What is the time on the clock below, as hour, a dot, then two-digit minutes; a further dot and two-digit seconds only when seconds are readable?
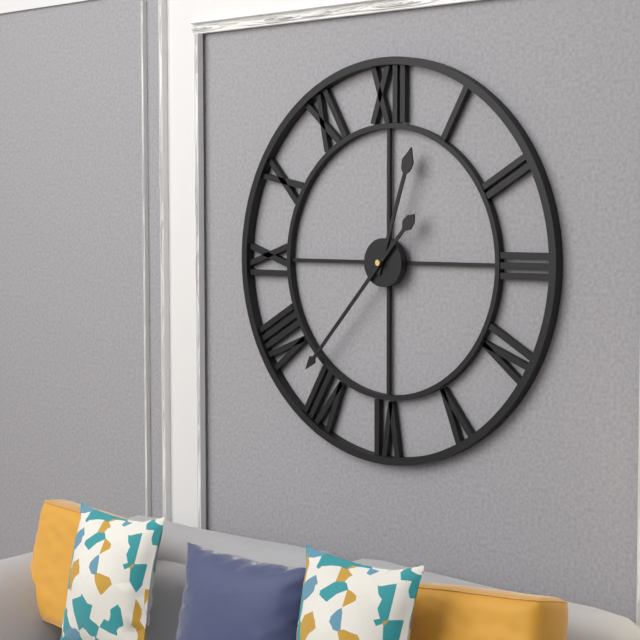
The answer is 12.37
